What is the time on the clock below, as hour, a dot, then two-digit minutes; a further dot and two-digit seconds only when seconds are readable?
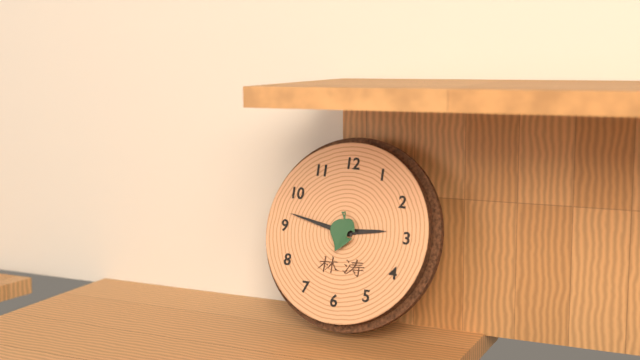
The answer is 2.47
